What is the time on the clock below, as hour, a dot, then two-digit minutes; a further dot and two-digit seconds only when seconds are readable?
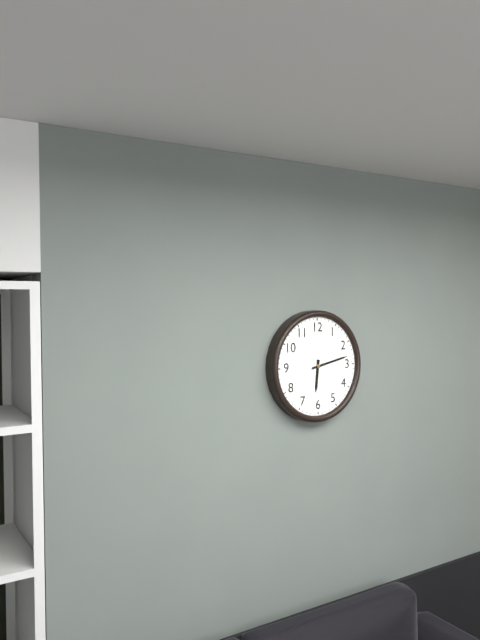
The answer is 6.13
